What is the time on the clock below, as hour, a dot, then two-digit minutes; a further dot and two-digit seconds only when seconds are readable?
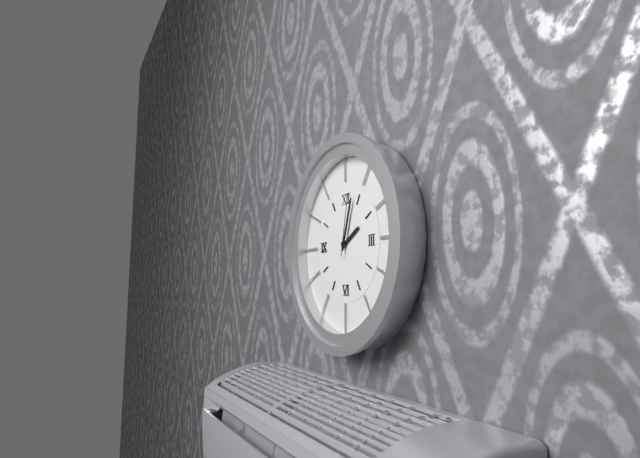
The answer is 2.03.02
